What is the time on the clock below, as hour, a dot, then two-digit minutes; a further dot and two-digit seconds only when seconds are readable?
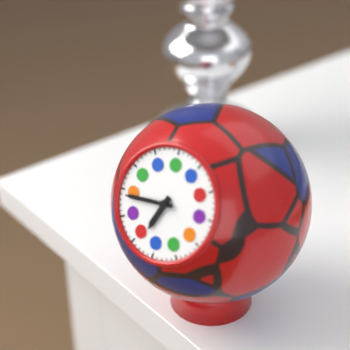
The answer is 6.44
